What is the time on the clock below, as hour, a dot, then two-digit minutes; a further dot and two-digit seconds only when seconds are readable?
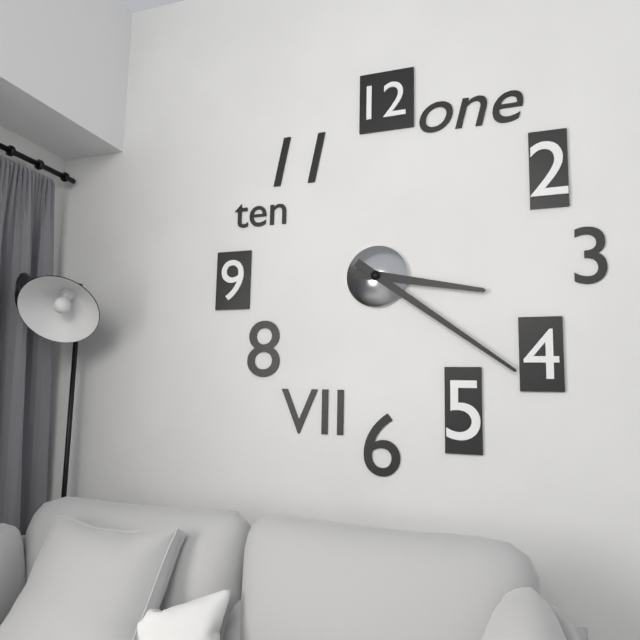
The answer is 3.21
